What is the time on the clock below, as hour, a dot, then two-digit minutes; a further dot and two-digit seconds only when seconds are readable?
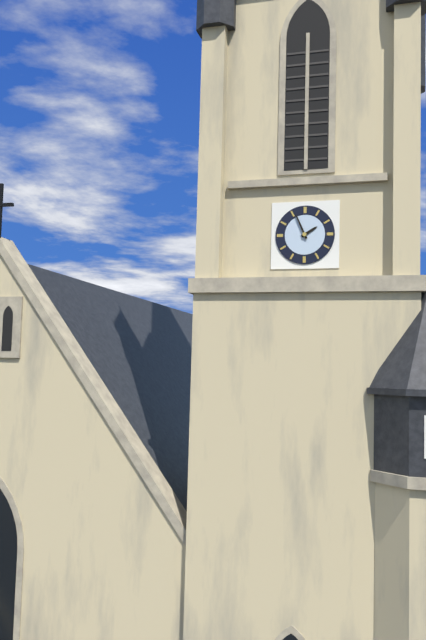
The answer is 1.56
